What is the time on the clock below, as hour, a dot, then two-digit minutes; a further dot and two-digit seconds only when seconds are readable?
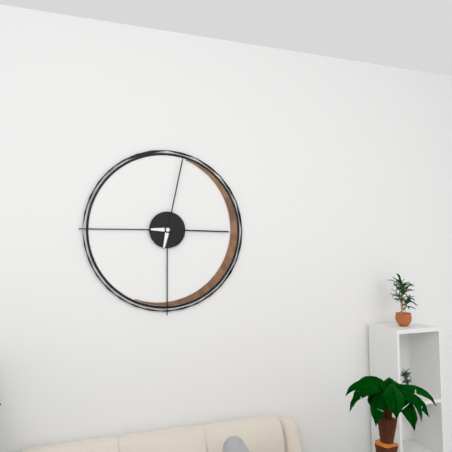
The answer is 3.02
